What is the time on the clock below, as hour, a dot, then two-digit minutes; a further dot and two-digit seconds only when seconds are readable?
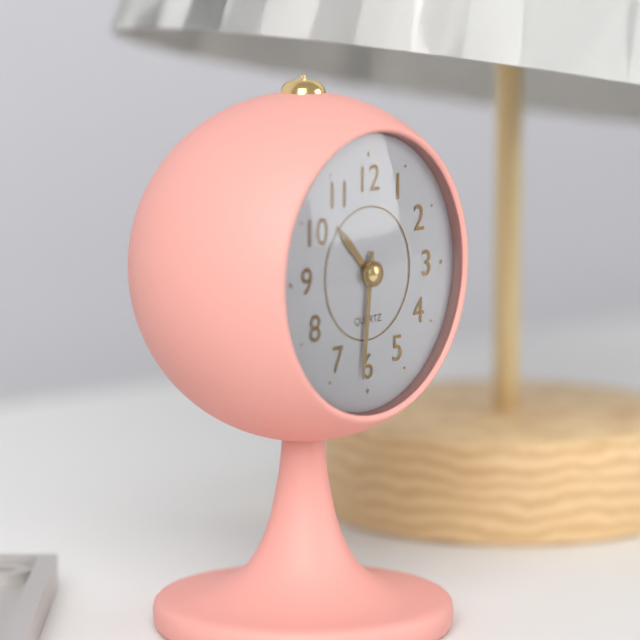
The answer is 10.31
